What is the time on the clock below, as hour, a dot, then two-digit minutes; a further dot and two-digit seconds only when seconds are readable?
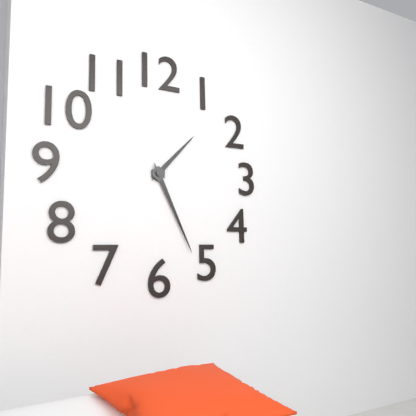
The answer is 1.26
